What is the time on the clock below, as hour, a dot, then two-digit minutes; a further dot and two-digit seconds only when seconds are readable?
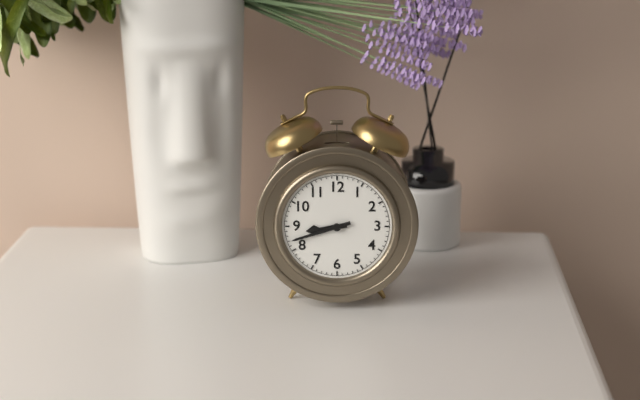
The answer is 8.42
